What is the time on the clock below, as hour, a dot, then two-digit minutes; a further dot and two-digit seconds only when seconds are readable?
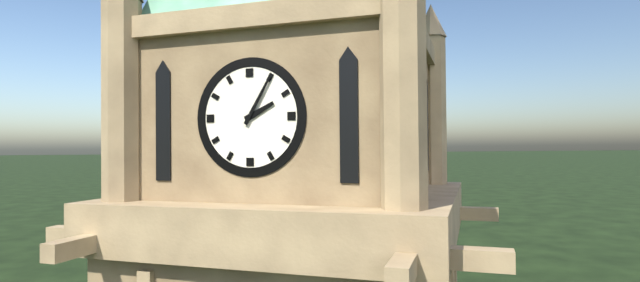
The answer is 2.05
